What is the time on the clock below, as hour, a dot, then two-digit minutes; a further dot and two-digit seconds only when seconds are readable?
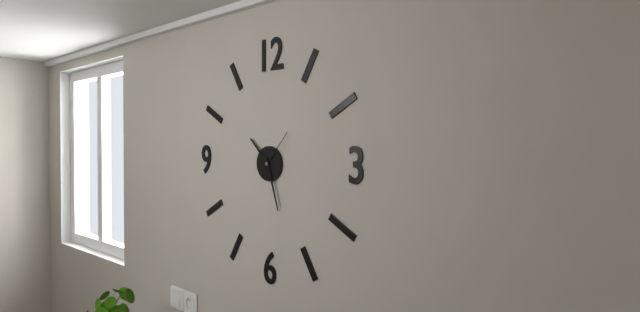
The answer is 10.27
